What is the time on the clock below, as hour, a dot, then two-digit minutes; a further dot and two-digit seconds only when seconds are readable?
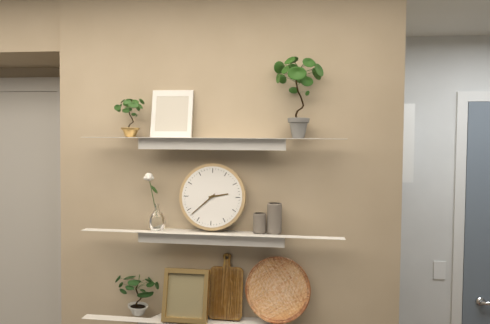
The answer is 2.38
